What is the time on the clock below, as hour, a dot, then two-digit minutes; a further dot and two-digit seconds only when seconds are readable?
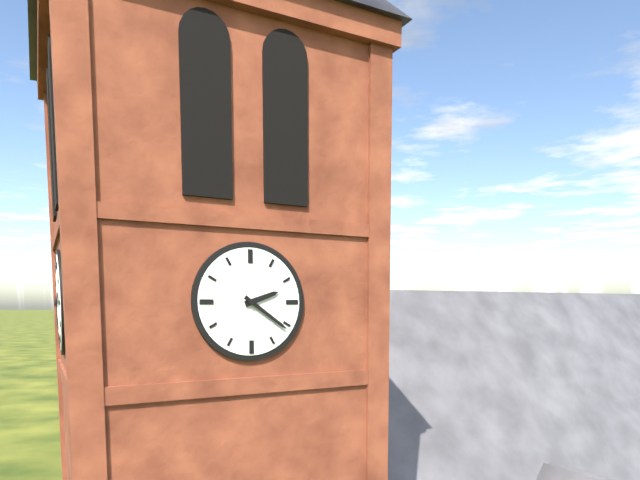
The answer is 2.21
